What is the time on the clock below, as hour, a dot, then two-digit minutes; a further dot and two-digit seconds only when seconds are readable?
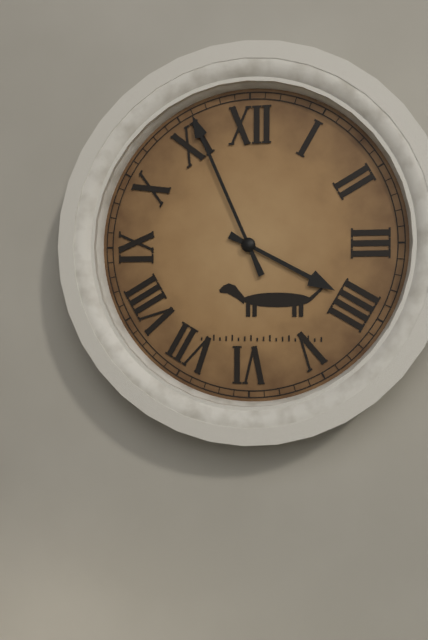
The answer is 3.56
